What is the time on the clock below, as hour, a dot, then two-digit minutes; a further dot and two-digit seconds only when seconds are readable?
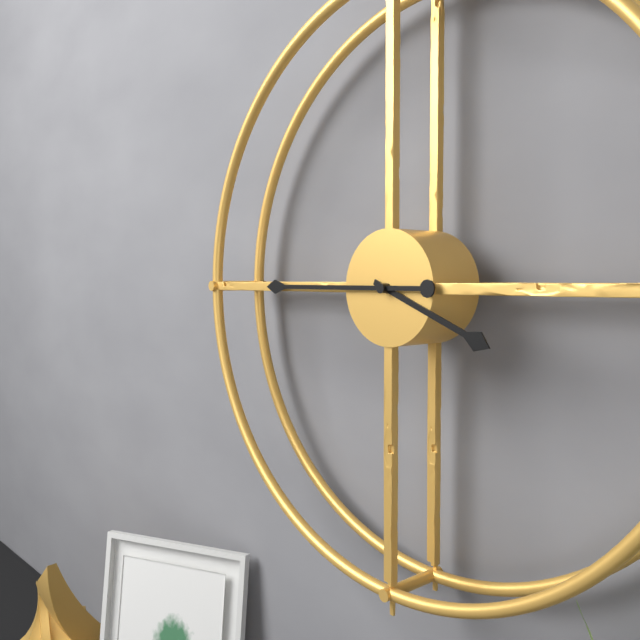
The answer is 3.45
